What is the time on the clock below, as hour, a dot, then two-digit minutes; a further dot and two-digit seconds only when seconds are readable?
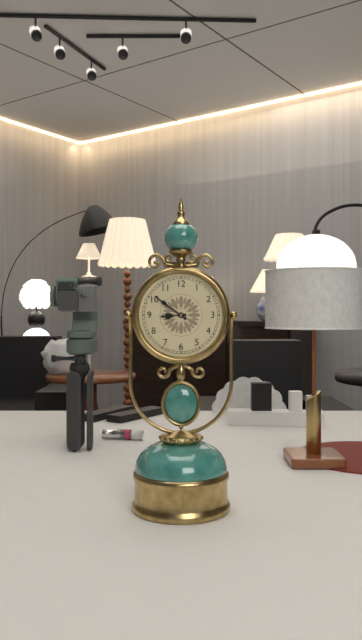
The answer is 8.51
